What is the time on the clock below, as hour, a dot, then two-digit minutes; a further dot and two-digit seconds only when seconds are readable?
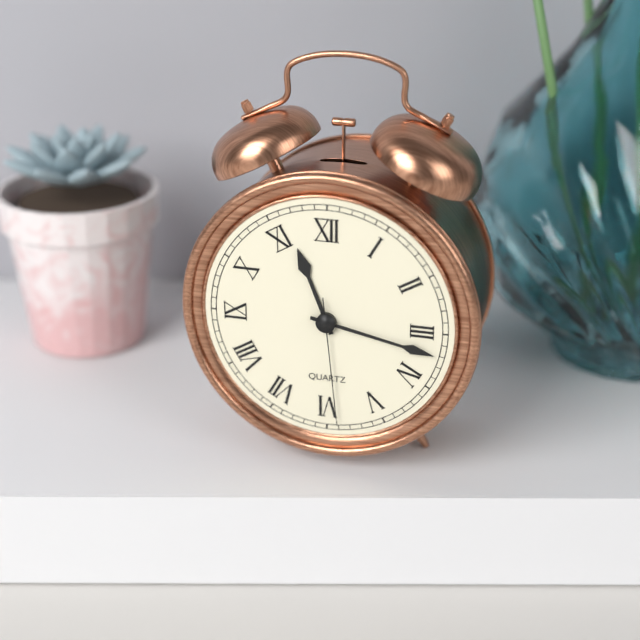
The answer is 11.17.29
